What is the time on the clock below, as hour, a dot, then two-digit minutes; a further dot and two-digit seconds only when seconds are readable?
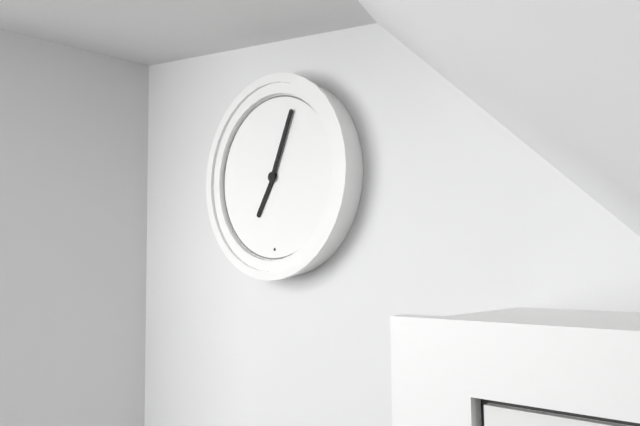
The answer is 7.04
